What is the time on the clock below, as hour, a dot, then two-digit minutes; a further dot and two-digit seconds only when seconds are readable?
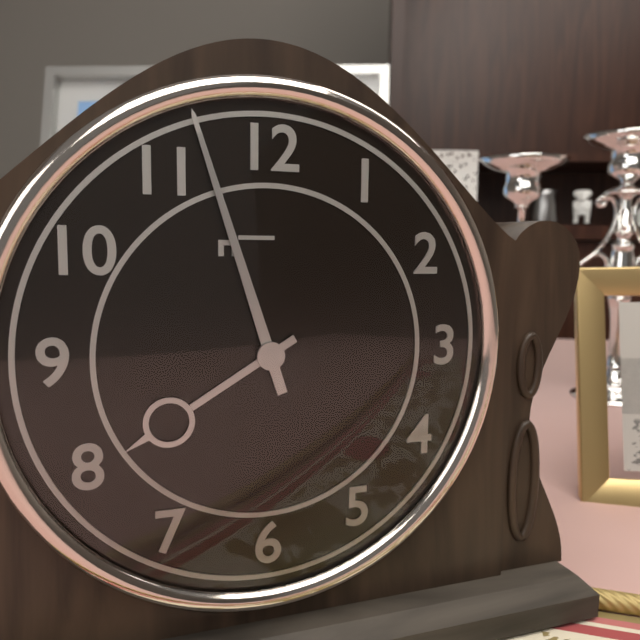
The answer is 7.57
